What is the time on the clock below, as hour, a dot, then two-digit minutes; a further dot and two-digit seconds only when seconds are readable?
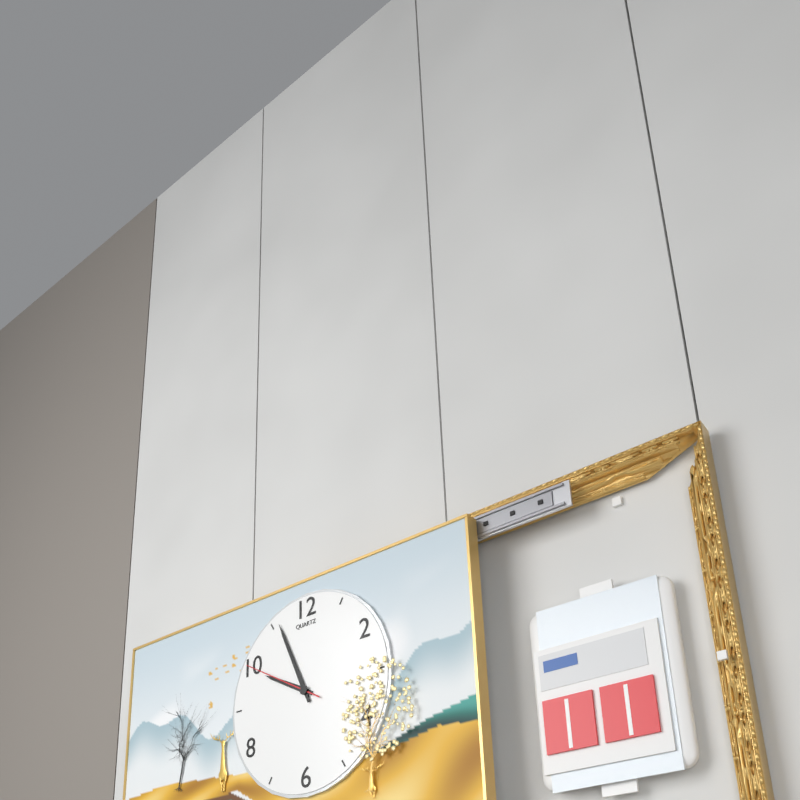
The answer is 9.56.50
